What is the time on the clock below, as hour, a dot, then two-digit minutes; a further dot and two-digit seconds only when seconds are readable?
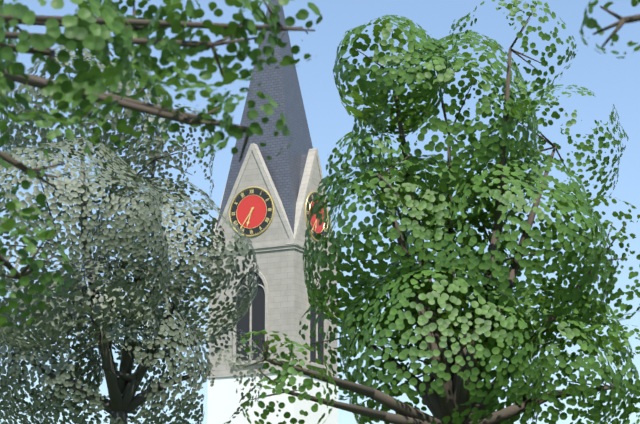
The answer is 6.36
